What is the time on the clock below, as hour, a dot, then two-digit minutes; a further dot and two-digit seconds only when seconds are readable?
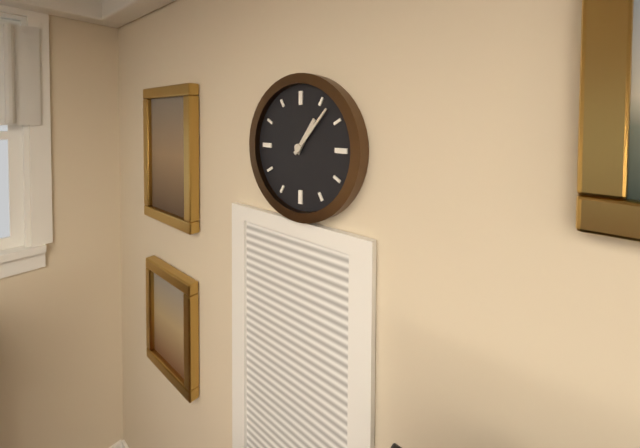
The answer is 1.07
